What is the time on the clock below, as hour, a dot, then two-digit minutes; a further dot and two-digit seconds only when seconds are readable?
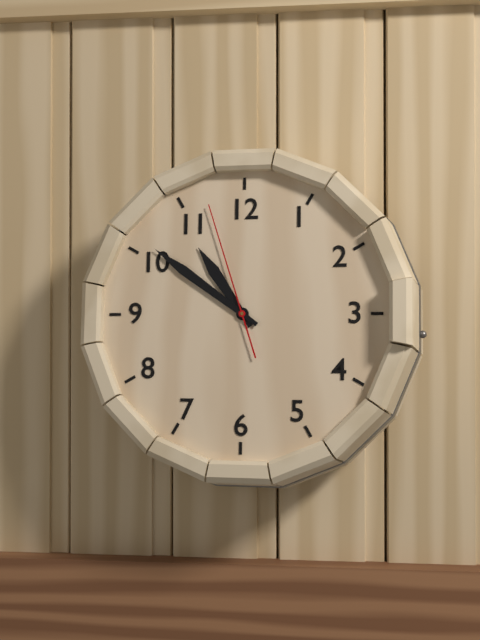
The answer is 10.51.57
